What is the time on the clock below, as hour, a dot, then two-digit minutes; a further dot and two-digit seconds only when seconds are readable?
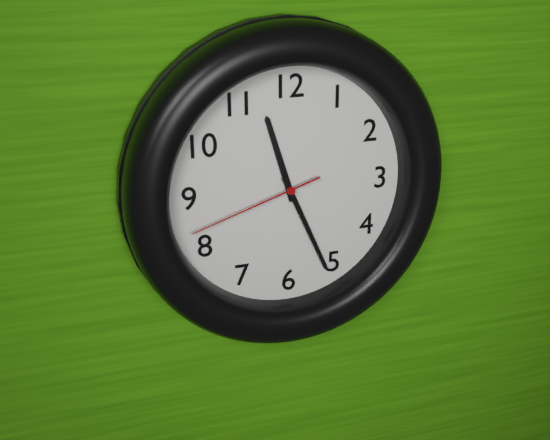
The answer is 11.26.42
